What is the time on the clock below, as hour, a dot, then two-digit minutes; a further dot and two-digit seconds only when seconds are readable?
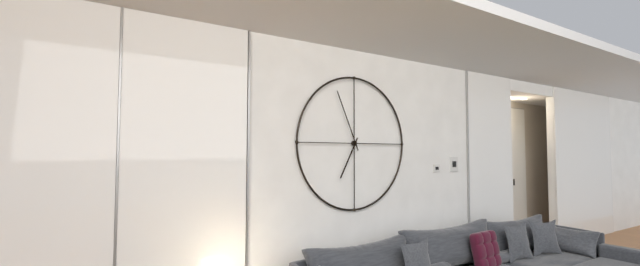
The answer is 6.56
